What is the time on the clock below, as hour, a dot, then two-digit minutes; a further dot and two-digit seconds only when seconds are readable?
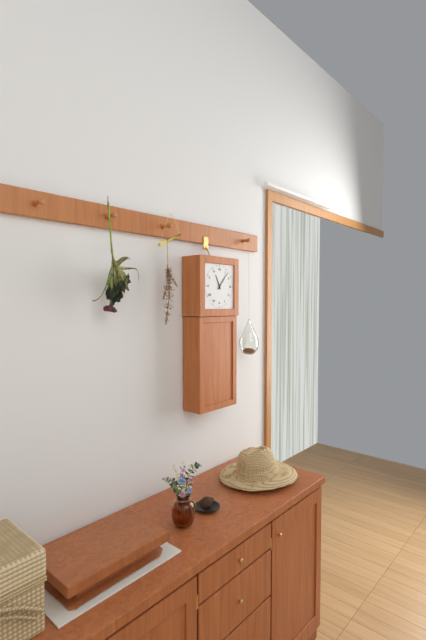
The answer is 11.07
